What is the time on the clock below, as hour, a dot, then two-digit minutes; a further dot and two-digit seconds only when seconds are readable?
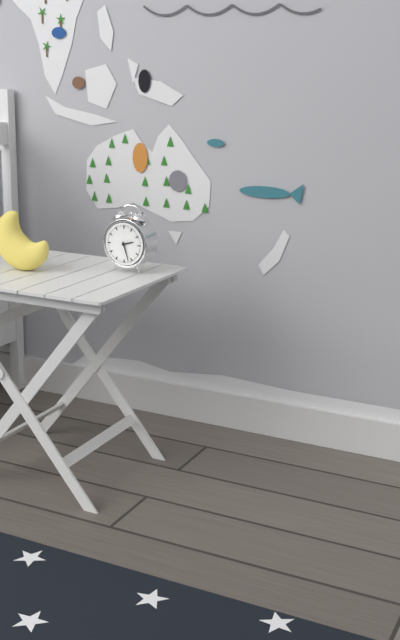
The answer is 2.27
